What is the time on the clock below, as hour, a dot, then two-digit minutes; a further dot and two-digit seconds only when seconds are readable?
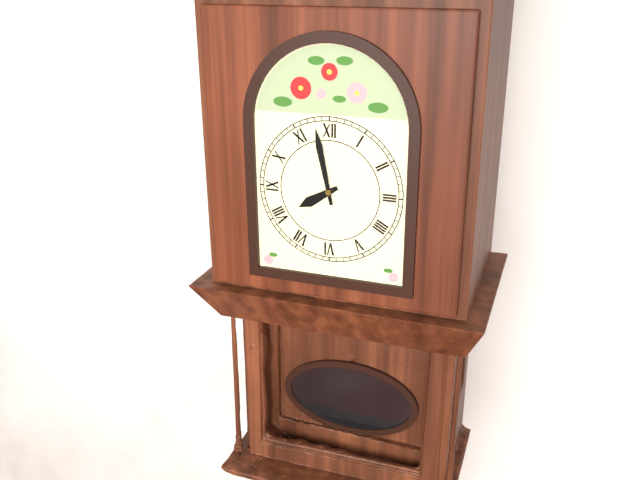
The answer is 7.58
